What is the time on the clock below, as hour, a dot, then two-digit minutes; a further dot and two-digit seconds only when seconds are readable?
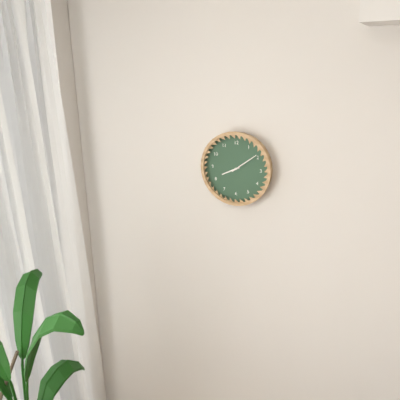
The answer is 8.09
